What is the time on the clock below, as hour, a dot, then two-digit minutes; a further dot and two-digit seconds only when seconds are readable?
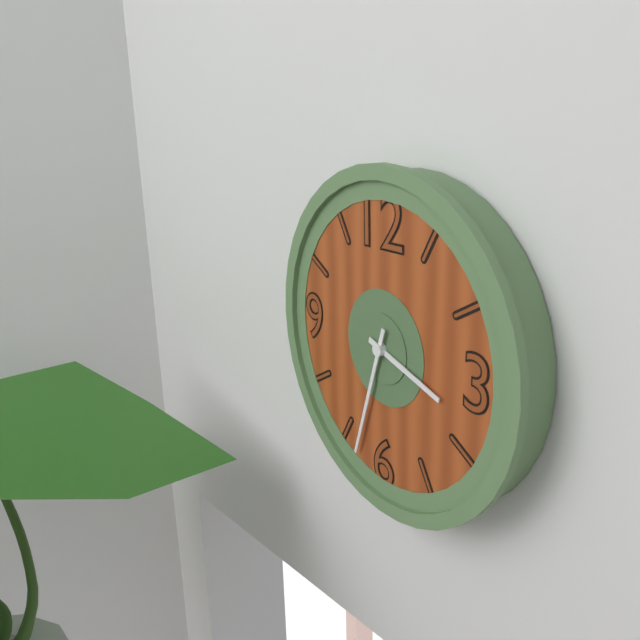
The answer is 3.33
